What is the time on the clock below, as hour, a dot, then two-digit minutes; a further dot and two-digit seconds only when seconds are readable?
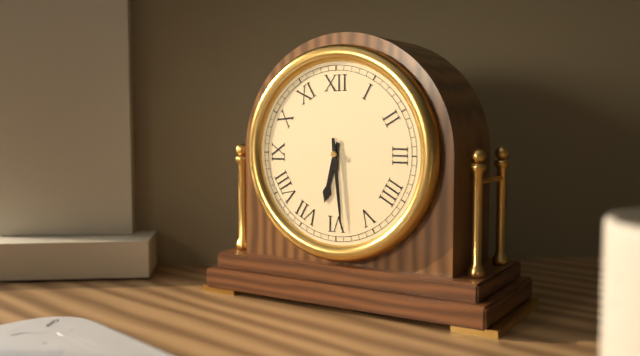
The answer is 6.29
